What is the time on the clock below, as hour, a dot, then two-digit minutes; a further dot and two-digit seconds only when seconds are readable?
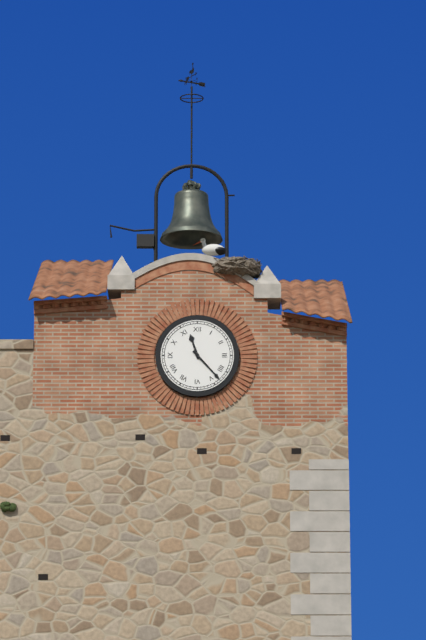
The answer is 11.23
